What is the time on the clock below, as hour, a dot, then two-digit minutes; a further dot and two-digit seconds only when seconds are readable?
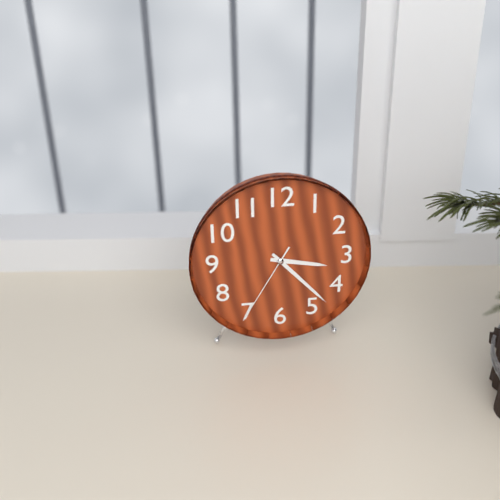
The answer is 3.23.35
